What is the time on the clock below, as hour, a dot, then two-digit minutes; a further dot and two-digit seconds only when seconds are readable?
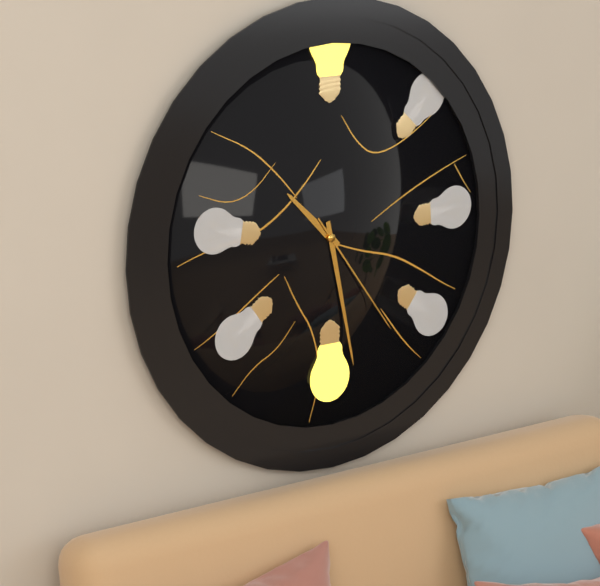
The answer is 10.28.24
